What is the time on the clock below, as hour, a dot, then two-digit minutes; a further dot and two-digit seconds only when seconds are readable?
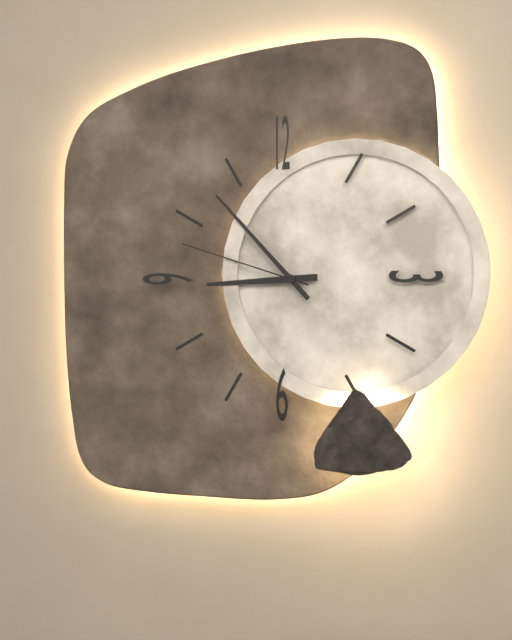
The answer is 8.53.48
